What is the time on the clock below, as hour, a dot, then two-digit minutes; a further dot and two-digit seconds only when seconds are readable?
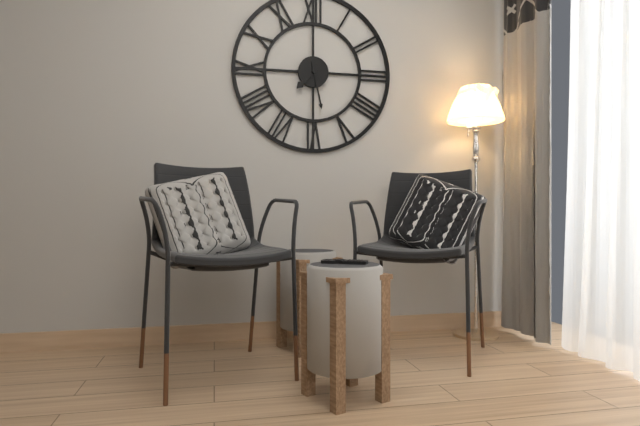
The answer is 7.28
